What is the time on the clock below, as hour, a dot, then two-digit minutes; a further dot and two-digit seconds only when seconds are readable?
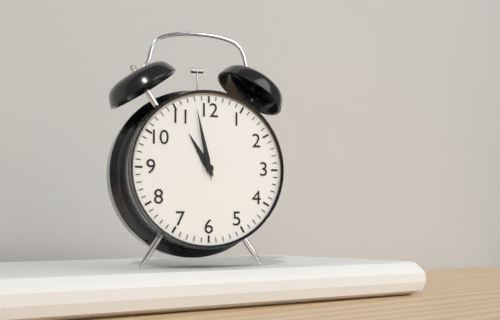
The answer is 10.58
